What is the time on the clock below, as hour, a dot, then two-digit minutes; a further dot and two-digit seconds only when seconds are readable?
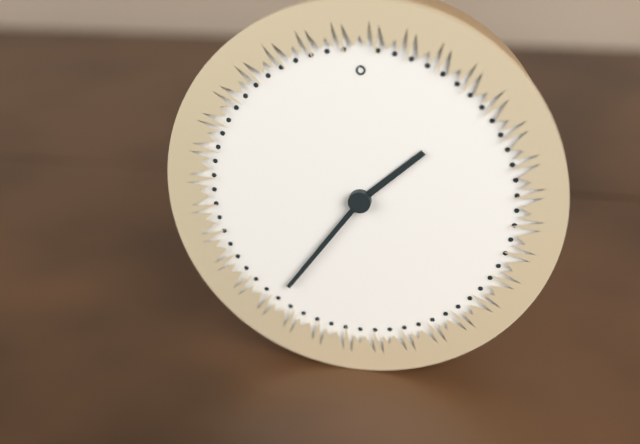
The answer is 1.36
